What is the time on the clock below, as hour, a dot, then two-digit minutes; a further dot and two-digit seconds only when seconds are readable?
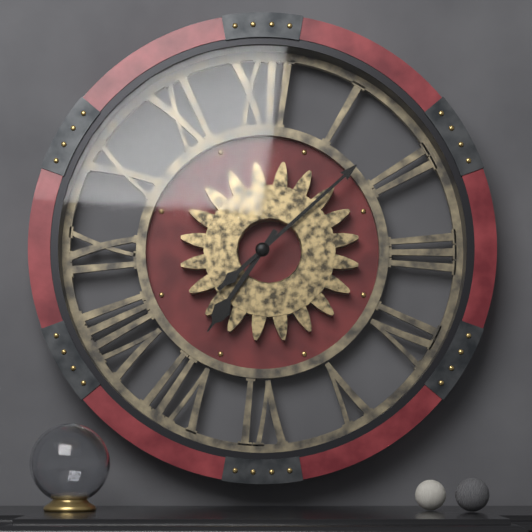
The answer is 7.08
